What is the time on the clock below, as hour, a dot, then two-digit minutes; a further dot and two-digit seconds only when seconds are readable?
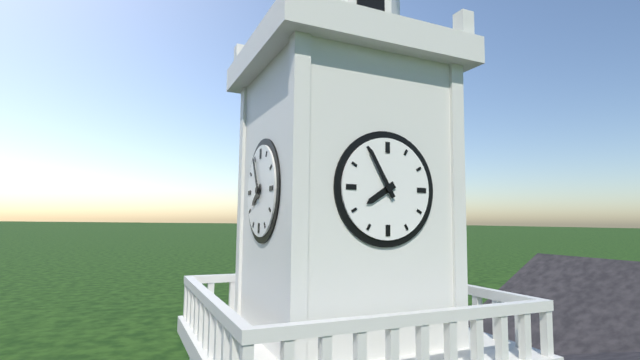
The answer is 7.55
